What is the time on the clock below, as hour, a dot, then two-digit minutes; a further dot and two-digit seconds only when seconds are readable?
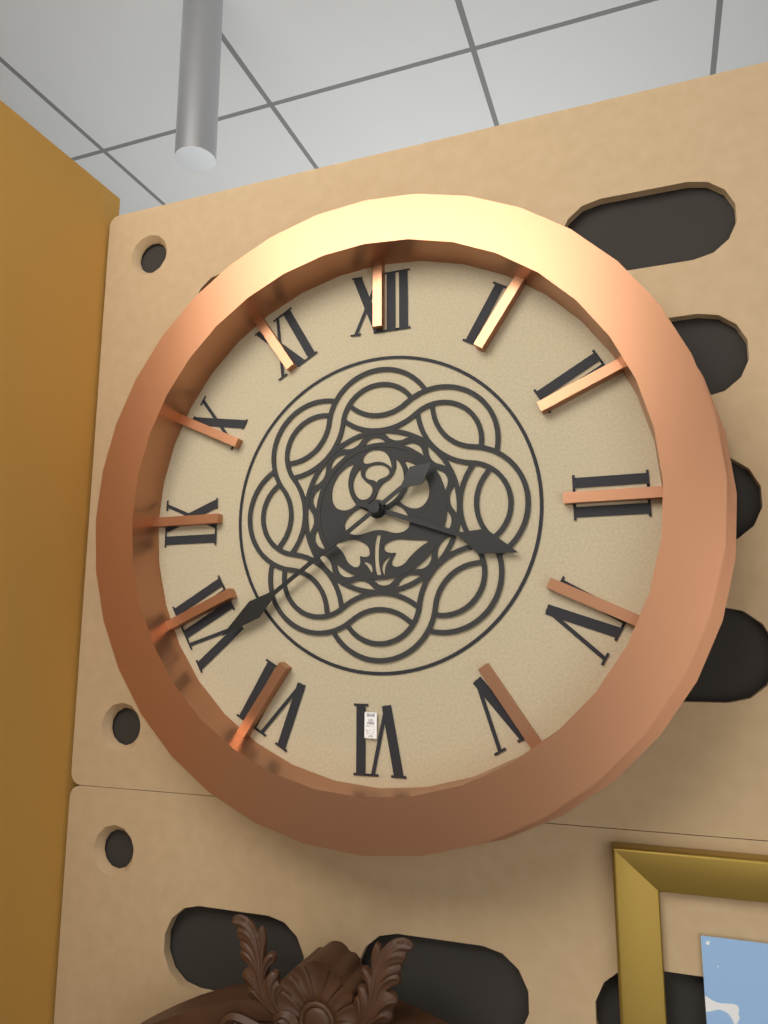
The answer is 3.39
